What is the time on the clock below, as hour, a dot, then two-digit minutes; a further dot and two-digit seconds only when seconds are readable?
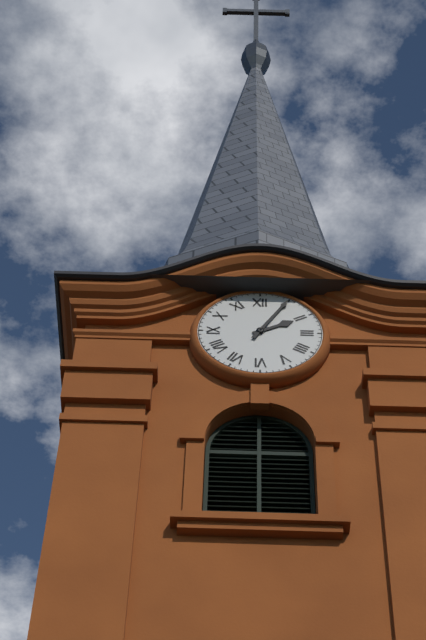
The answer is 2.05
